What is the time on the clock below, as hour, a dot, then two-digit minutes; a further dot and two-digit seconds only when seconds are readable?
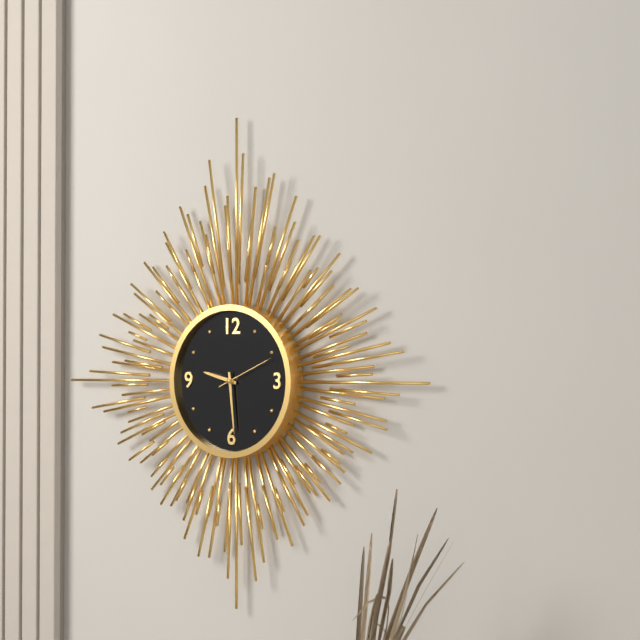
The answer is 9.29.11
